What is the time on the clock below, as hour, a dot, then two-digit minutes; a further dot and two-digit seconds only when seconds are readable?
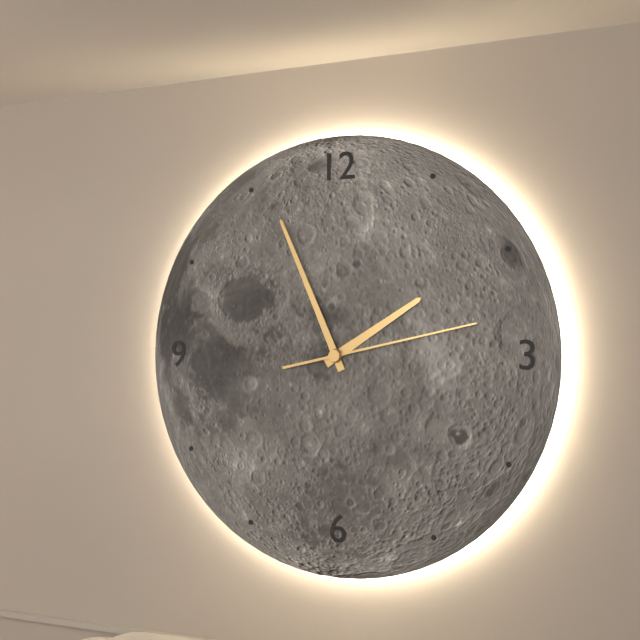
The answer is 1.56.13
